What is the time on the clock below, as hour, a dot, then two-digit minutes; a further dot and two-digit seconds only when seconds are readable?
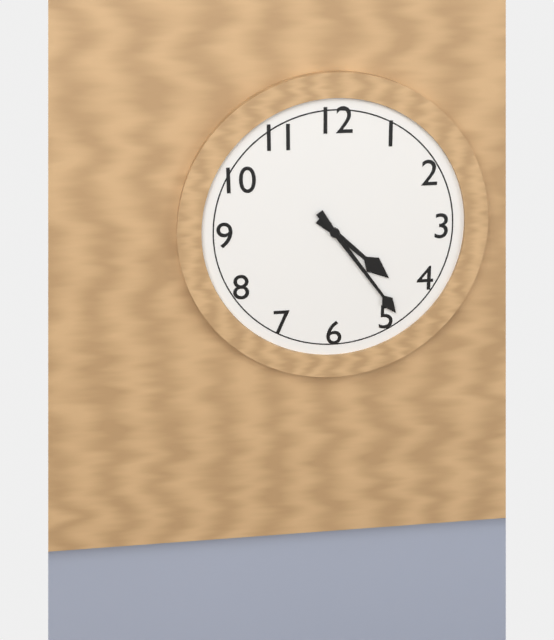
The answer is 4.24
